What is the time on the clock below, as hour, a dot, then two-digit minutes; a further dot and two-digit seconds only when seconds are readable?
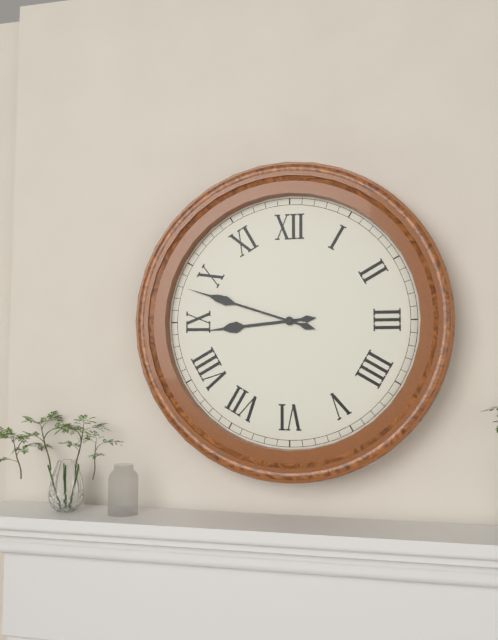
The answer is 8.48
